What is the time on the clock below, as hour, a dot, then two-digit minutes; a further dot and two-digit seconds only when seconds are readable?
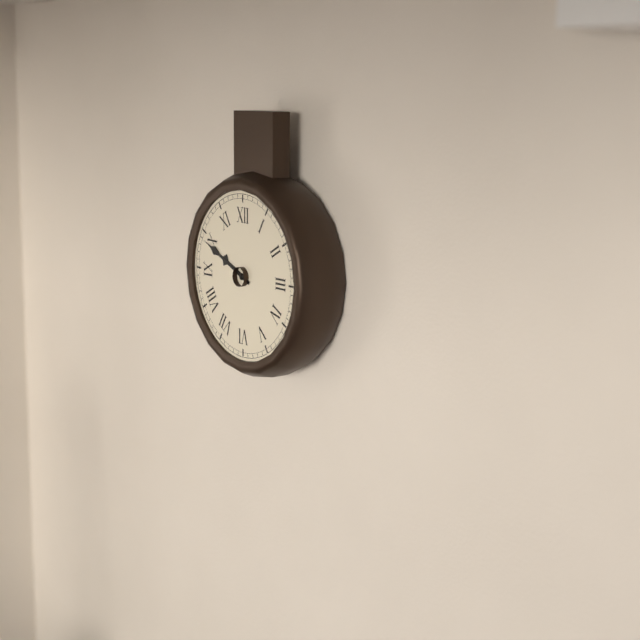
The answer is 9.49
